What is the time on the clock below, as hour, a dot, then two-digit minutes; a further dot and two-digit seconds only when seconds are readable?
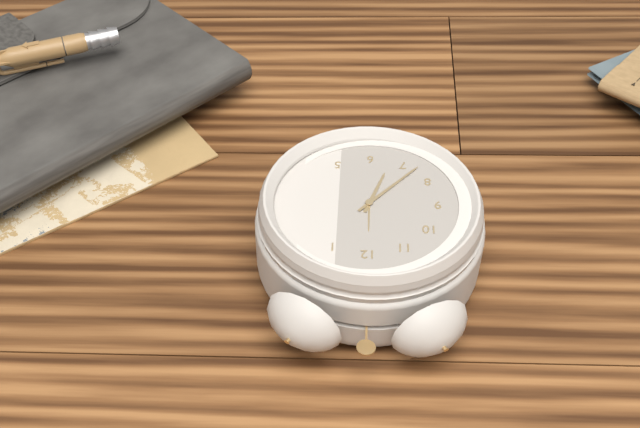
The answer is 6.37
